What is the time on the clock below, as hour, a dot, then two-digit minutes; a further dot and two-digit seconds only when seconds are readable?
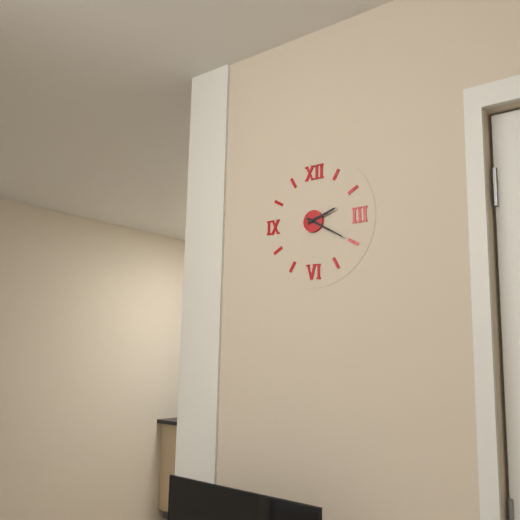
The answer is 2.20
